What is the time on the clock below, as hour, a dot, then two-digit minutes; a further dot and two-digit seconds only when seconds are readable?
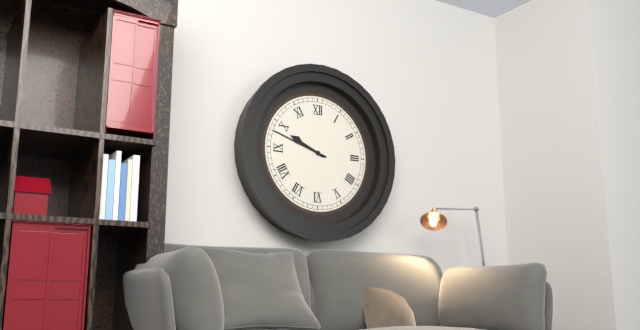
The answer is 9.48
